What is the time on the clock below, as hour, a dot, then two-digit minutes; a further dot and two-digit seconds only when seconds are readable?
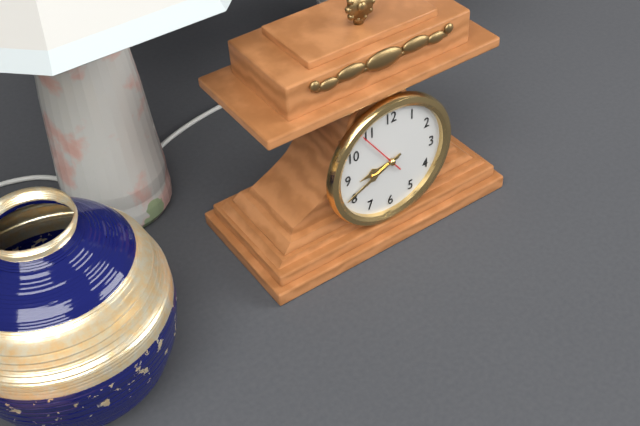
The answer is 8.41
